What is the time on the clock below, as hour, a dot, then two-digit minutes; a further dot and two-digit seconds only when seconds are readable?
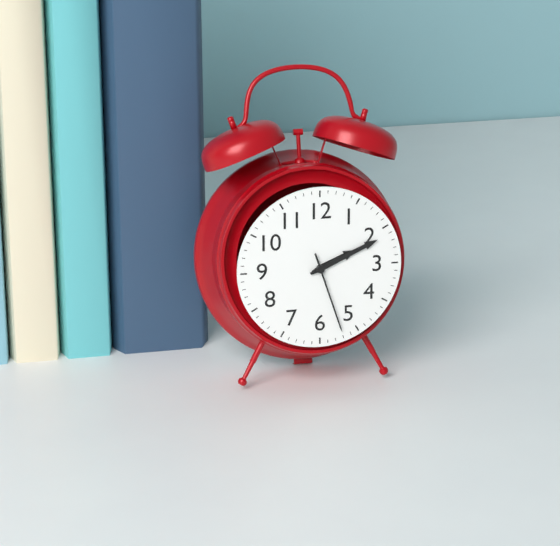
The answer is 2.11.27
